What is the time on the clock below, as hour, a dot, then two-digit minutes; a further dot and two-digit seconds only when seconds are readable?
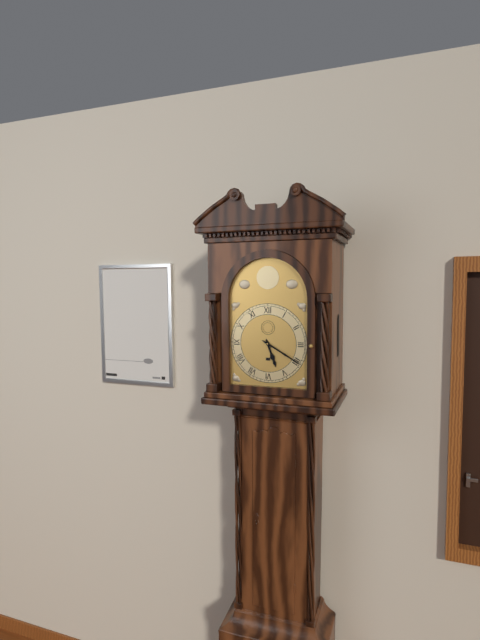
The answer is 5.20
